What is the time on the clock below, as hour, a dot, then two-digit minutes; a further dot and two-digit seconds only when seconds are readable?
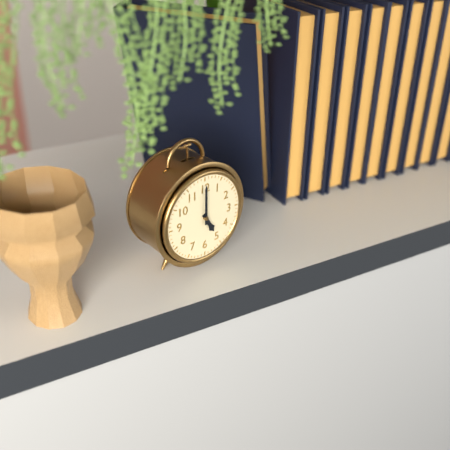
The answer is 5.00
